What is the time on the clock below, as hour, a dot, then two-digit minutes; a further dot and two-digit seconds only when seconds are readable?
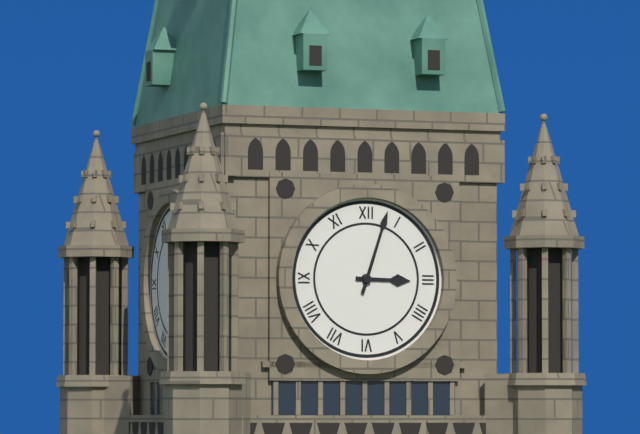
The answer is 3.03
